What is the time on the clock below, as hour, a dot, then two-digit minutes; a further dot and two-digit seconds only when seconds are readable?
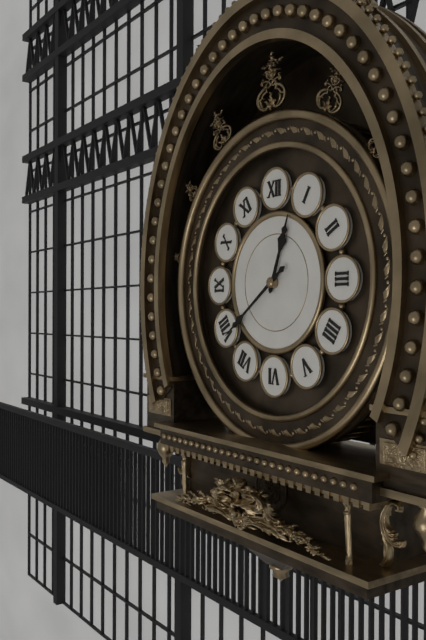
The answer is 12.39
